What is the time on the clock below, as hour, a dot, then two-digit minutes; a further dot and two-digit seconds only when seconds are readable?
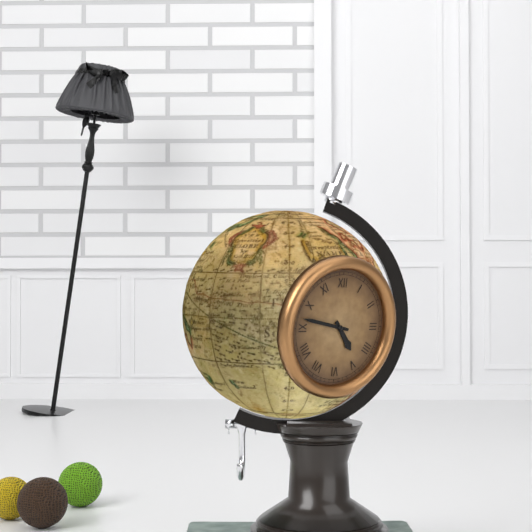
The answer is 4.47
